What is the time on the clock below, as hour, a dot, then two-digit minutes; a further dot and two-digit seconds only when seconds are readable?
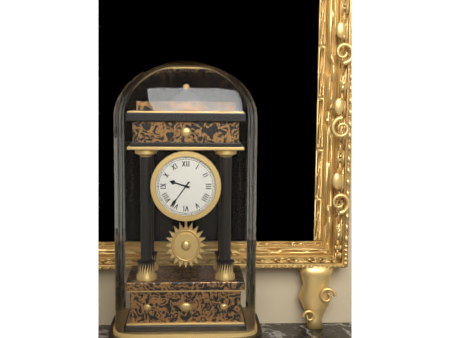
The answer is 9.36
